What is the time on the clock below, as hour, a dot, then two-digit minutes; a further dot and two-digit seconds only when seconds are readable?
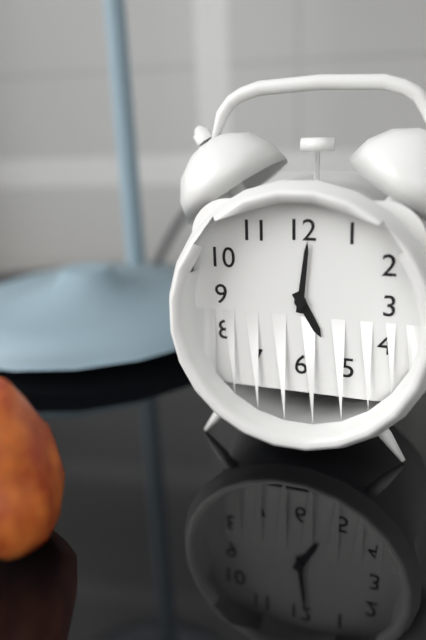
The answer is 5.01
